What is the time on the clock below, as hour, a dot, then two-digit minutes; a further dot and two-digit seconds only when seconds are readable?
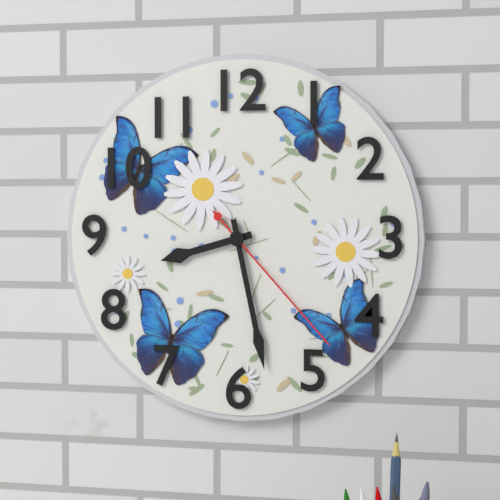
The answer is 8.28.23
